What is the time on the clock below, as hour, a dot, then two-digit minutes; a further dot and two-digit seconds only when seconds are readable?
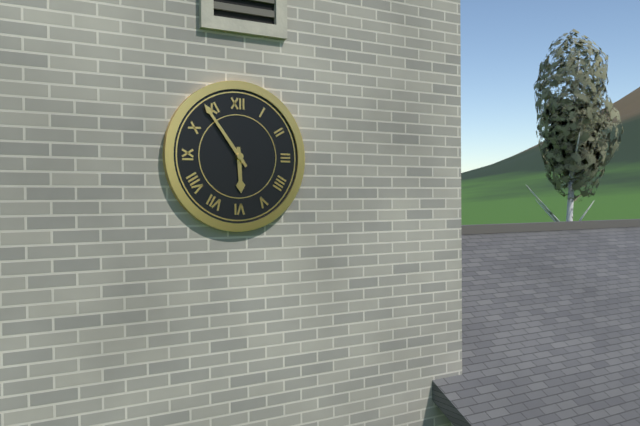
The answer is 5.54
